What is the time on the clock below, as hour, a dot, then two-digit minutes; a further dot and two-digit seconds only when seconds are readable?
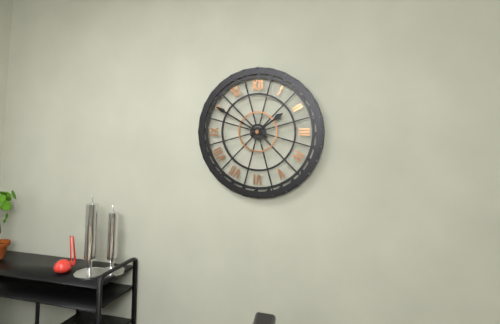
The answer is 1.50
